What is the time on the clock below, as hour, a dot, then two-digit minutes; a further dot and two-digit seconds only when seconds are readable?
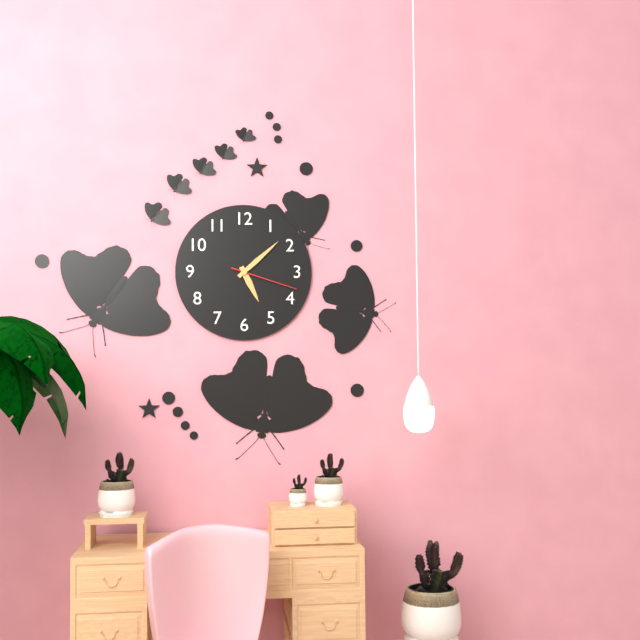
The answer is 5.08.18
